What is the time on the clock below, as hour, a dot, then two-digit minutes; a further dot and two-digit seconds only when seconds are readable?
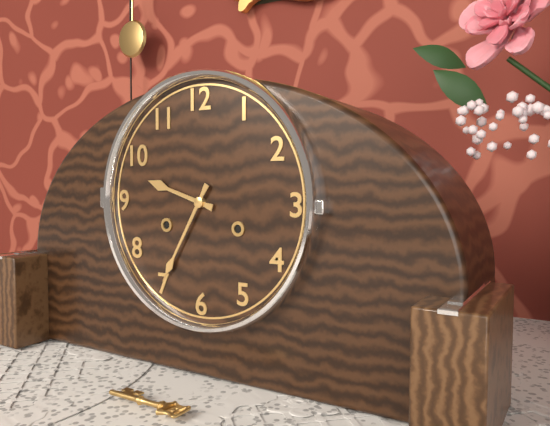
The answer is 9.35
